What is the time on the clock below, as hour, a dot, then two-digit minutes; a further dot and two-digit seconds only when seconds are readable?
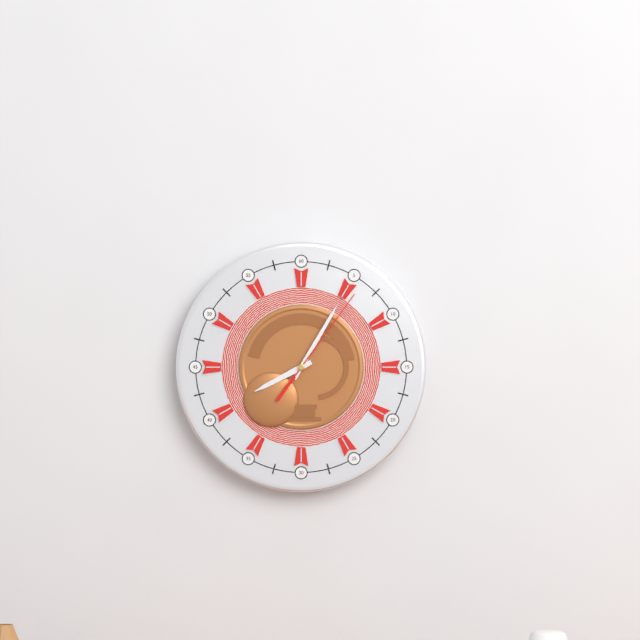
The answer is 8.05.06
